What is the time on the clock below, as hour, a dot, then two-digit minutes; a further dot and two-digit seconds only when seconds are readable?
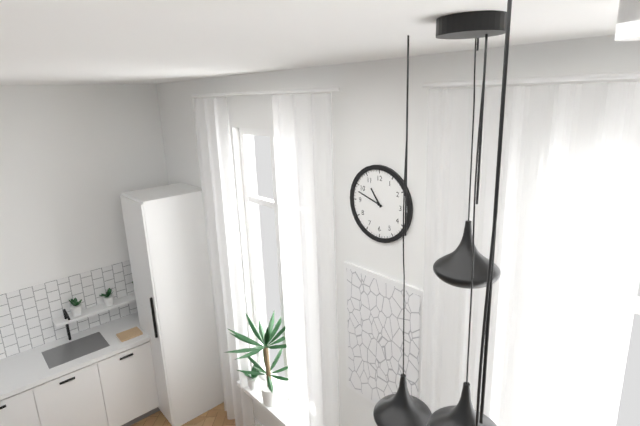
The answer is 10.48
